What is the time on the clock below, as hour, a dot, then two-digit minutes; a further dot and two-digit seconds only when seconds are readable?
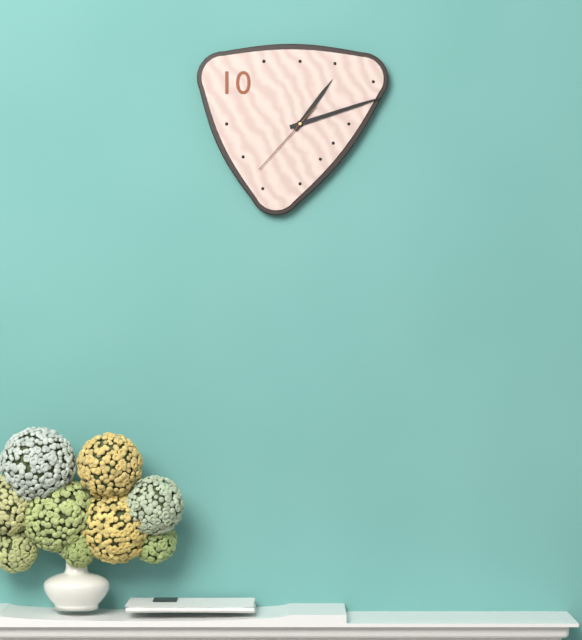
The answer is 1.12.37
